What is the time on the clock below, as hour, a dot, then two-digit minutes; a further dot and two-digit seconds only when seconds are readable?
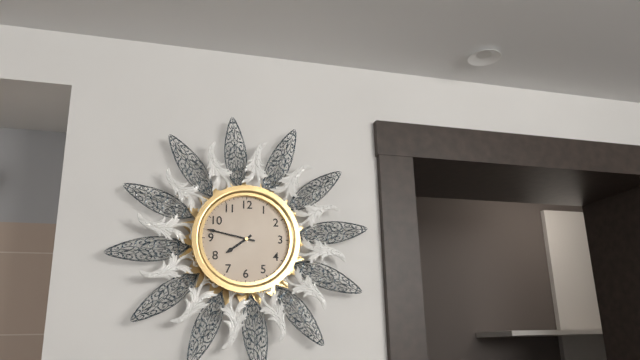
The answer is 7.47
